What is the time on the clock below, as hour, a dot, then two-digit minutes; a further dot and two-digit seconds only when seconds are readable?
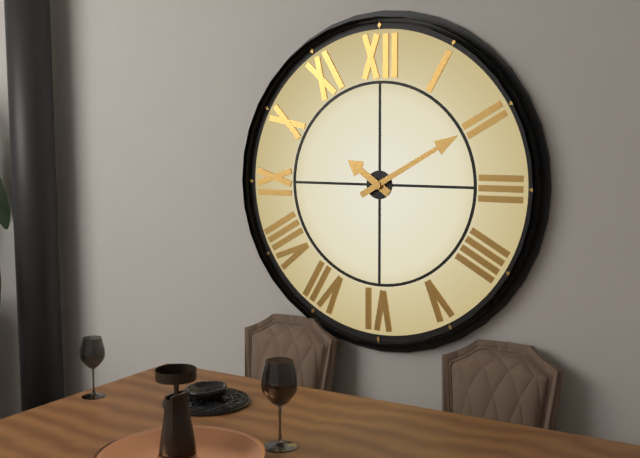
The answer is 10.10
